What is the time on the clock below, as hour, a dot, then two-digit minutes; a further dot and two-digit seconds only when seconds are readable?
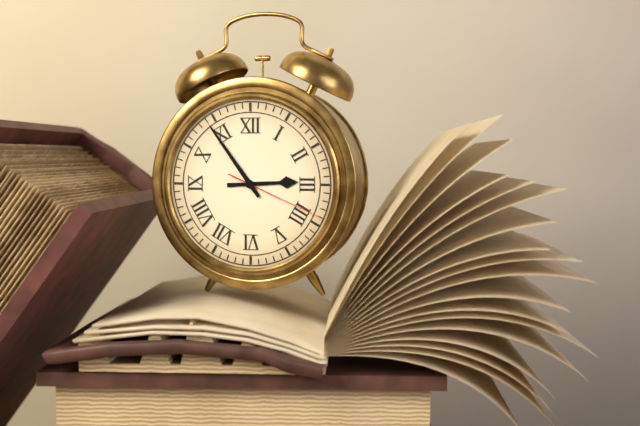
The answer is 2.54.19
